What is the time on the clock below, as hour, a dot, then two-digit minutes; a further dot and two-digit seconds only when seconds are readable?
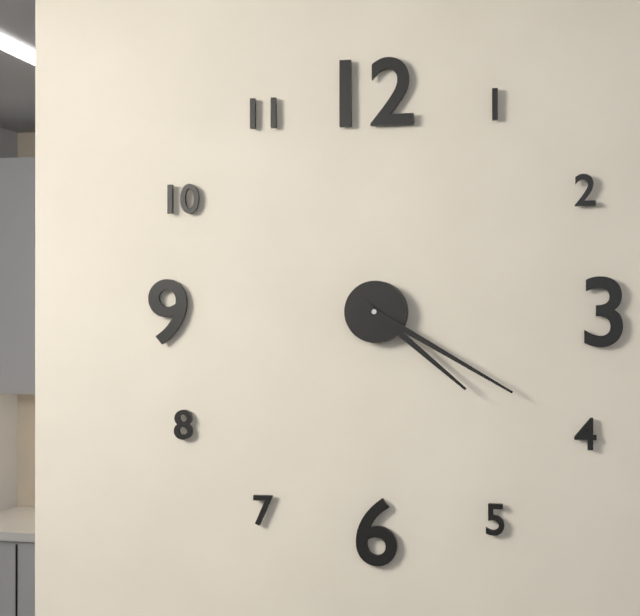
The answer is 4.20
